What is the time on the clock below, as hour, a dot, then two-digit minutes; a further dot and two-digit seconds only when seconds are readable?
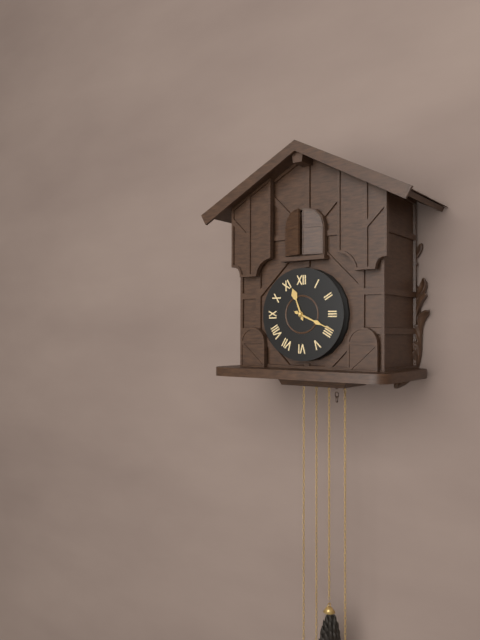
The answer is 11.19
